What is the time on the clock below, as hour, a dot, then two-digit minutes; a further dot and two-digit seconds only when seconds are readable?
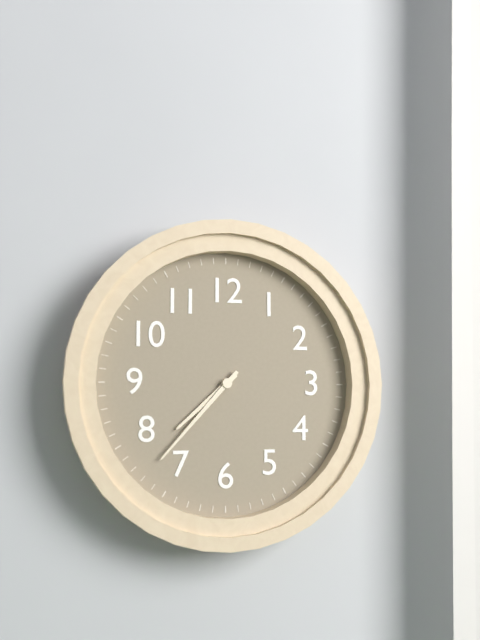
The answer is 7.37
